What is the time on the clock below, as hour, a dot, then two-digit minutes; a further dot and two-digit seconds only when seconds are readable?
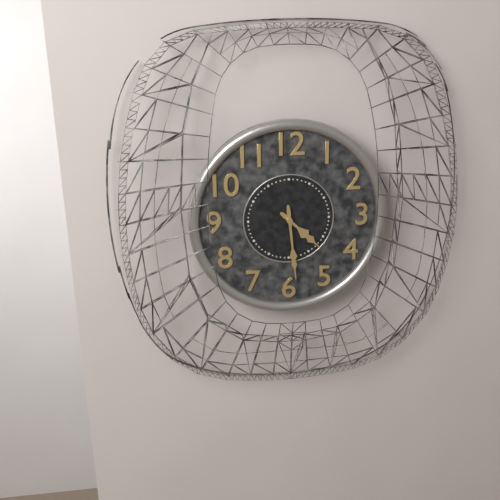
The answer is 4.29
